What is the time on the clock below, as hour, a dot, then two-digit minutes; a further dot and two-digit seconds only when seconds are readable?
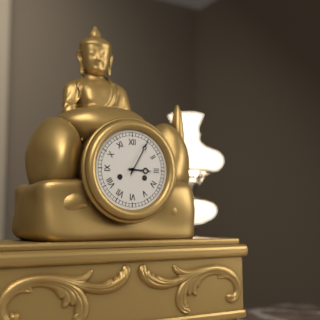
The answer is 3.05
